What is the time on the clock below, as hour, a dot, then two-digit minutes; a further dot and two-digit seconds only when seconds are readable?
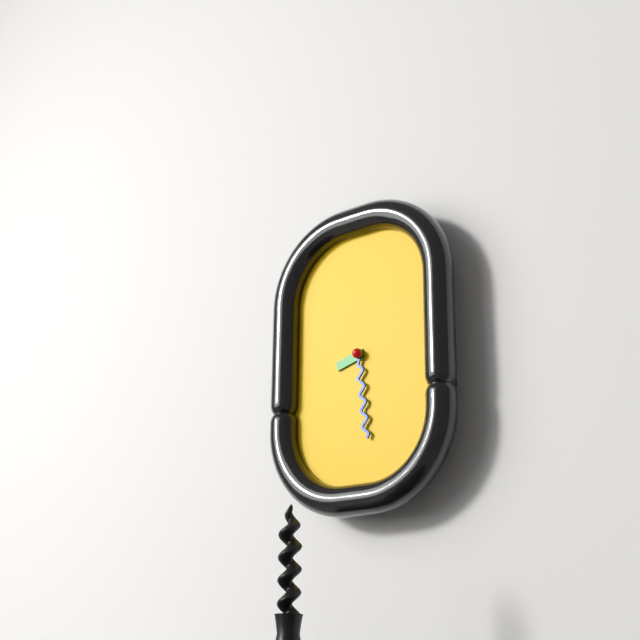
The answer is 8.29
